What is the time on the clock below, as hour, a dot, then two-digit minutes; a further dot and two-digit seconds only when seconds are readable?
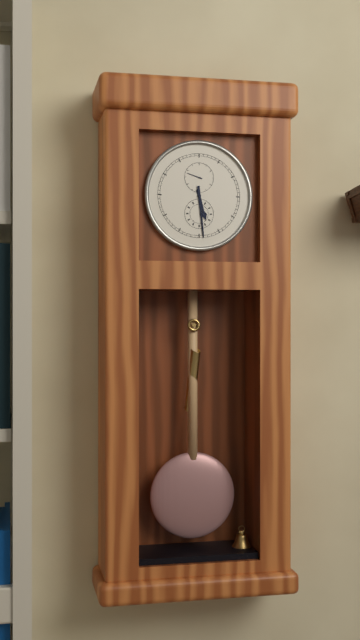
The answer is 5.29
